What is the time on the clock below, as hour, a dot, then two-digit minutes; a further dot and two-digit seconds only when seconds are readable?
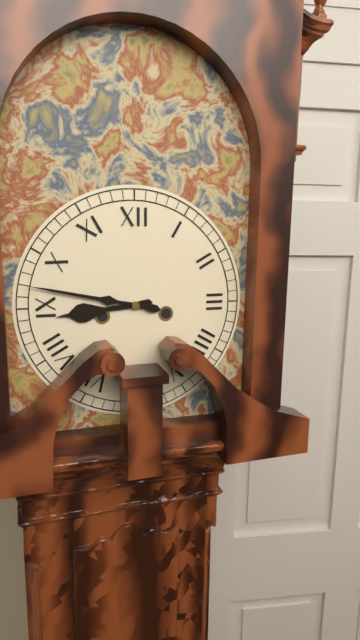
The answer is 8.47
